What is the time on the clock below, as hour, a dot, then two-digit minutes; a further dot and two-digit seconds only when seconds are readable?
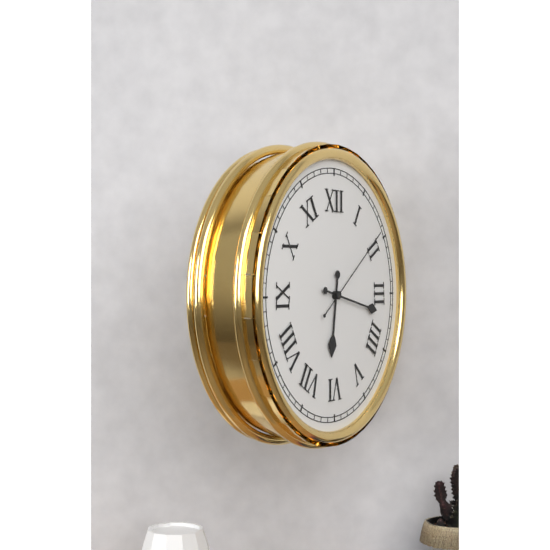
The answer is 6.17.09
